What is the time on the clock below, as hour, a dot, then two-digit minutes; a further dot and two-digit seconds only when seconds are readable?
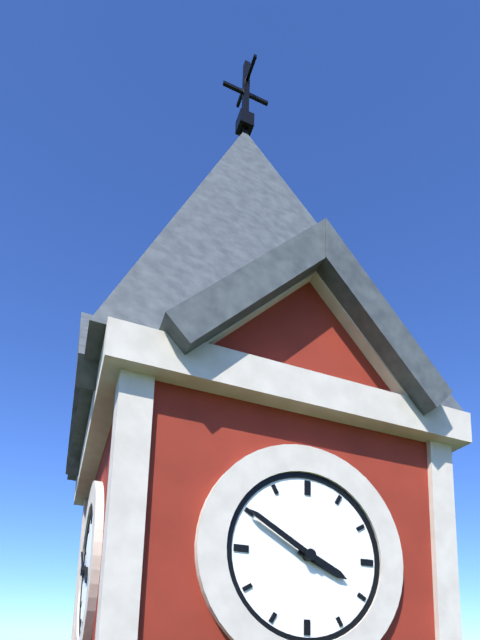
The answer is 3.50
